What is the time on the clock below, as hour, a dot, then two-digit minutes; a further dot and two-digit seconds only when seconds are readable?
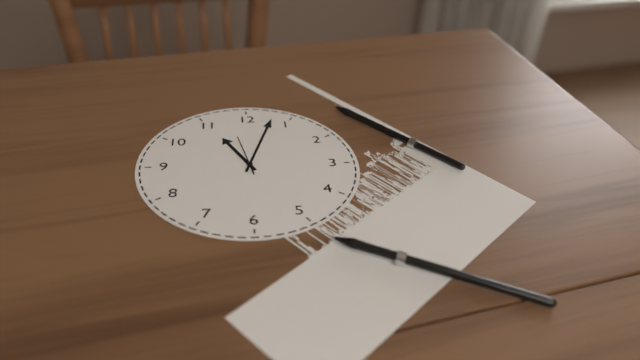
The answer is 11.03
